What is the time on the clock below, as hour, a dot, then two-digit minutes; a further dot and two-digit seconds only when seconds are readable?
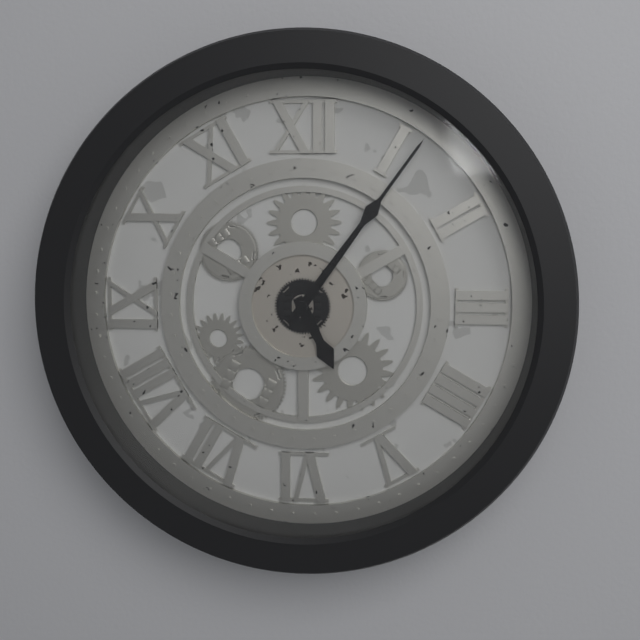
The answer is 5.06
